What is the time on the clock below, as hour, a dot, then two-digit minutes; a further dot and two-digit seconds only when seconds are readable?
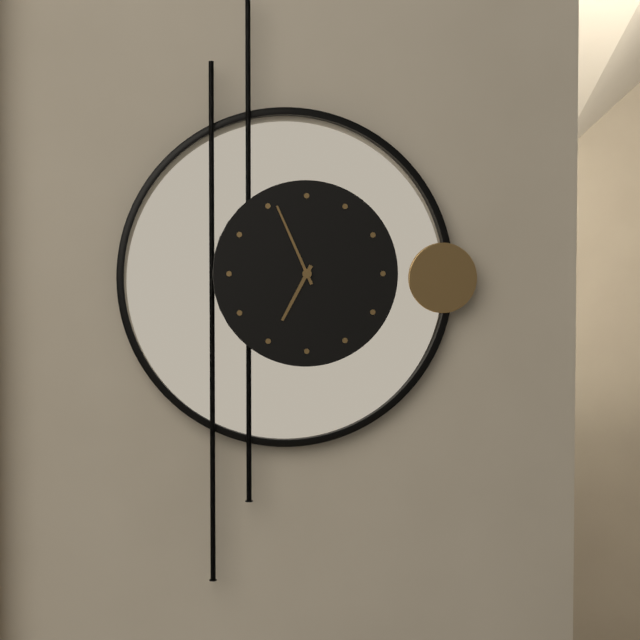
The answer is 6.56
